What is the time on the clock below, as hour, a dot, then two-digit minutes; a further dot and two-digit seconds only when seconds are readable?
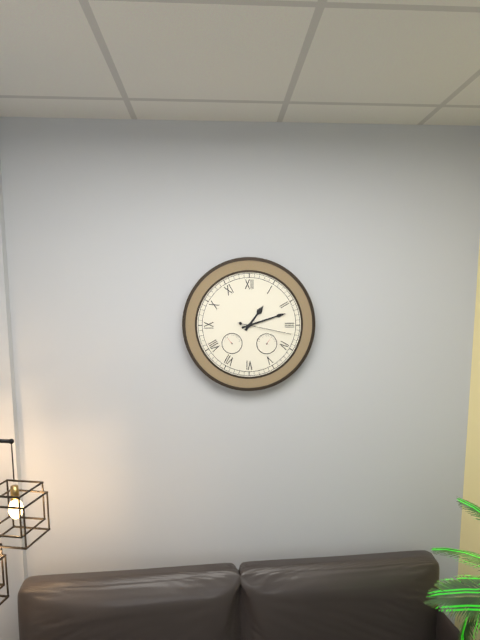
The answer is 1.12.17
